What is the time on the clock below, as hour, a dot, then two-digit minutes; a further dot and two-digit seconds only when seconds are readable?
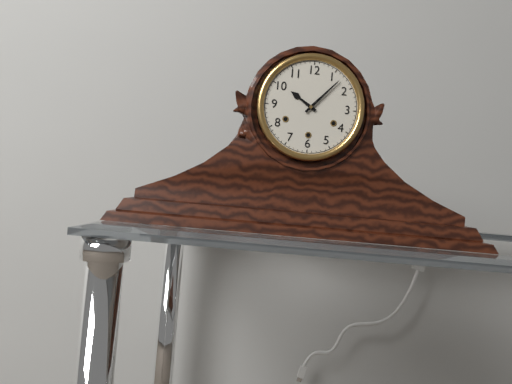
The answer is 10.07
